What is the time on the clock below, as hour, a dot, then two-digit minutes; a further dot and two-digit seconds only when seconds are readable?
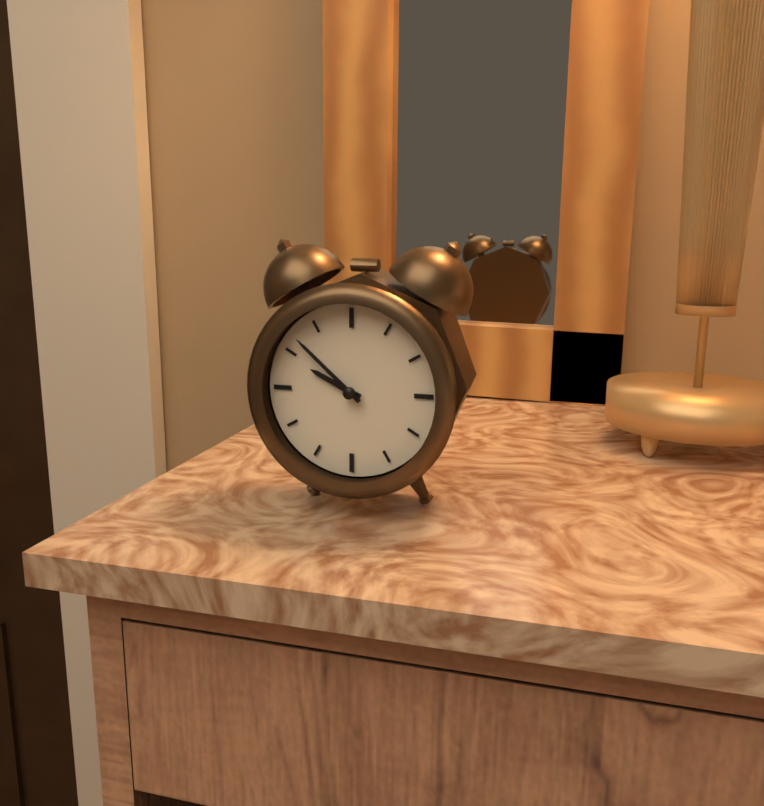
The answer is 9.52
